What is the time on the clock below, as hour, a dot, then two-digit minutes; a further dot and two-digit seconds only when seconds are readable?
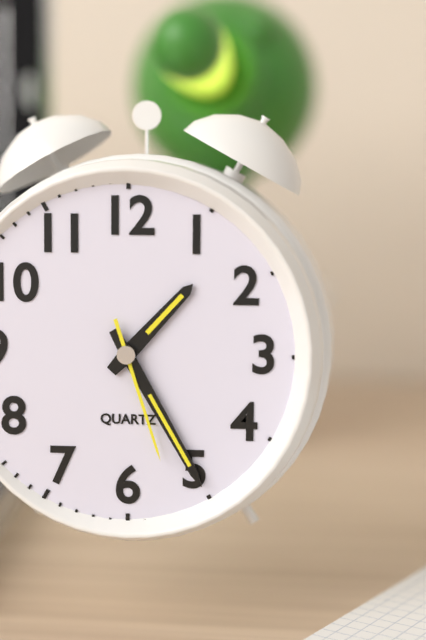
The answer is 1.25.27
